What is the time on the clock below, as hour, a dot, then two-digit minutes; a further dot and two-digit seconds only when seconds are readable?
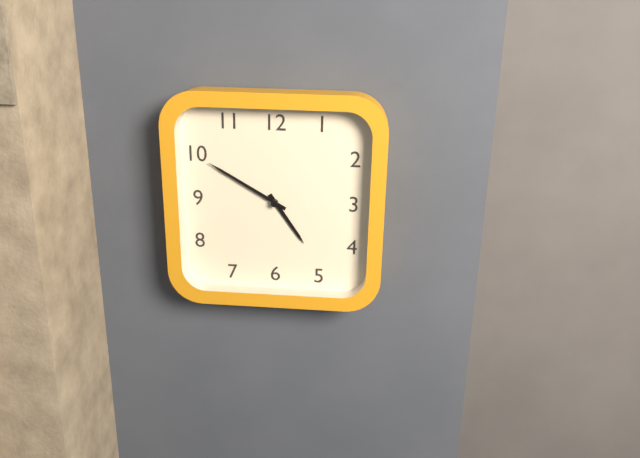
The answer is 4.50
